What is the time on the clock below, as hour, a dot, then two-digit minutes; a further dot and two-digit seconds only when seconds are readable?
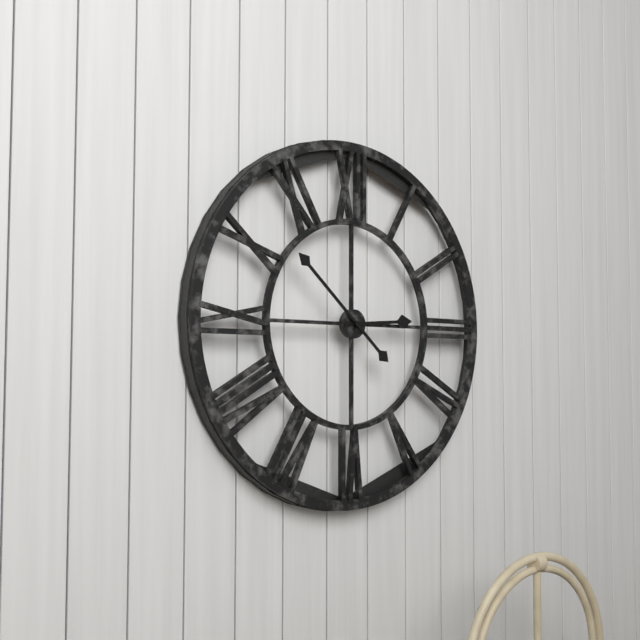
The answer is 2.52
